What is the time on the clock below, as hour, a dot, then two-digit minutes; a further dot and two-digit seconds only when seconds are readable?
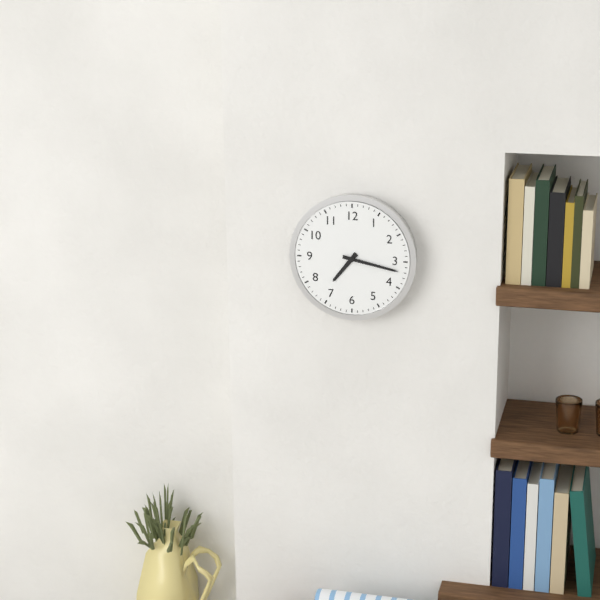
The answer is 7.17
